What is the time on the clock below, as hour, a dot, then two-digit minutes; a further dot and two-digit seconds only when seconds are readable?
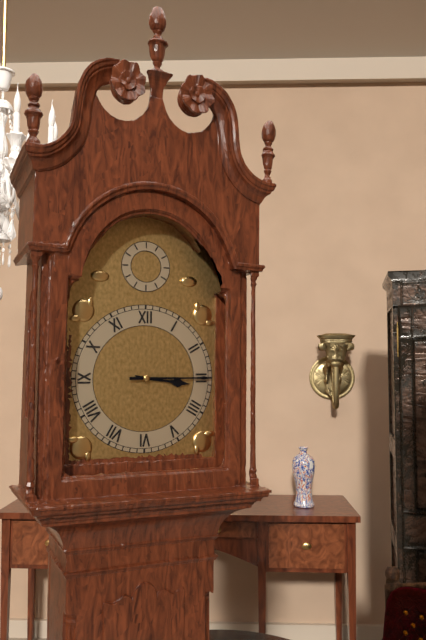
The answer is 3.15
